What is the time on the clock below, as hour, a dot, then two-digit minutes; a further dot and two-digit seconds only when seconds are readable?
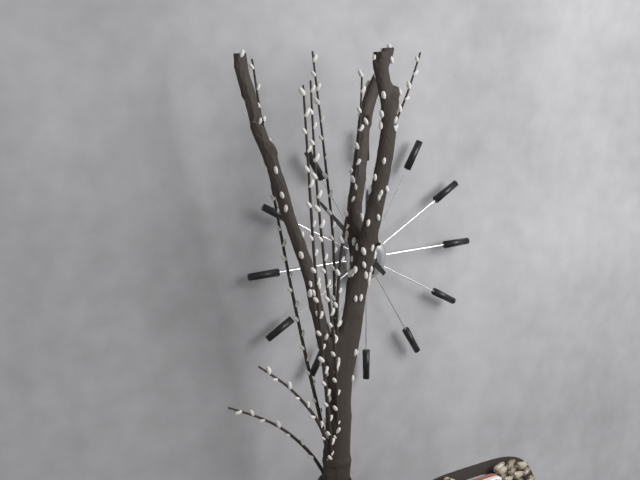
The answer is 11.53
